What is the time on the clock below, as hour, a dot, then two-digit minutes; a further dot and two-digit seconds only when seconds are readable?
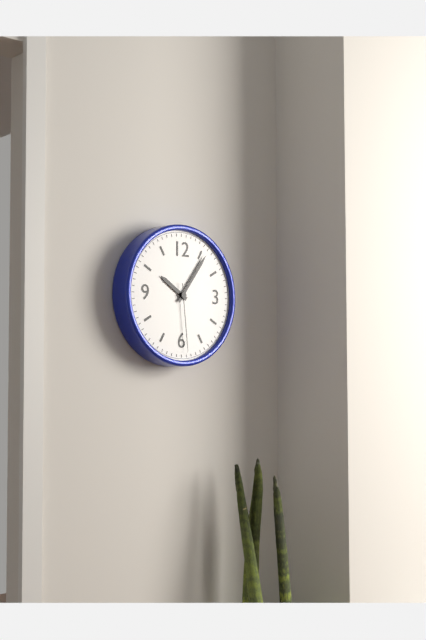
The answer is 10.06.29
